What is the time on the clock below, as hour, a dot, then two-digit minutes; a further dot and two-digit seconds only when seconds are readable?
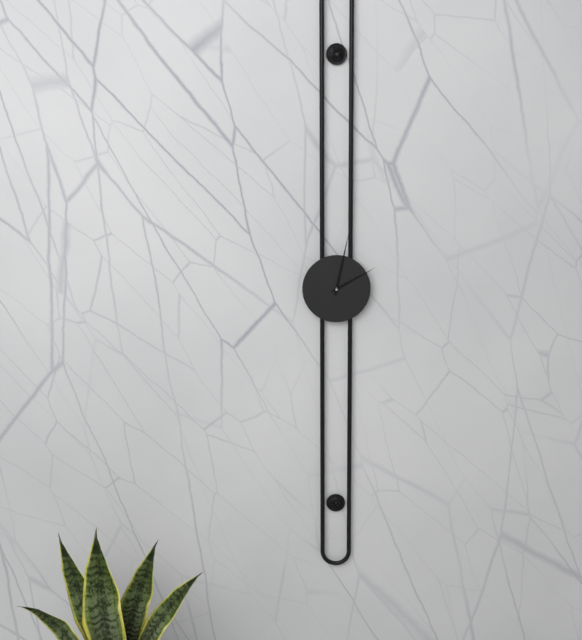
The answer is 2.02
